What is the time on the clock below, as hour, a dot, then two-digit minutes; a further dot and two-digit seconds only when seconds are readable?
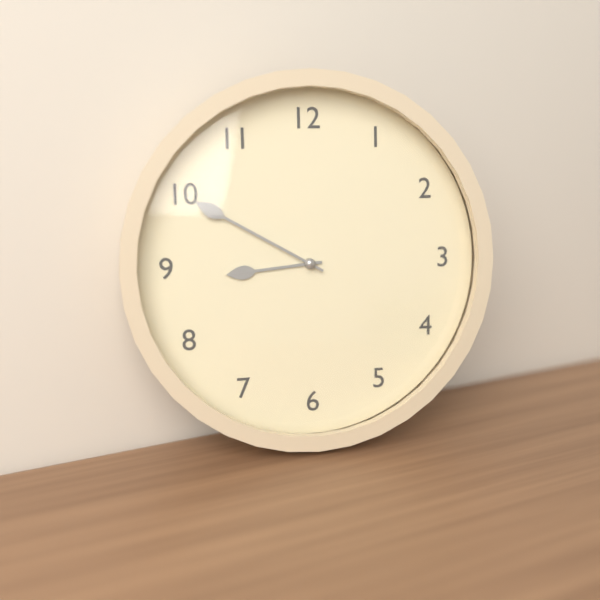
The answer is 8.50
